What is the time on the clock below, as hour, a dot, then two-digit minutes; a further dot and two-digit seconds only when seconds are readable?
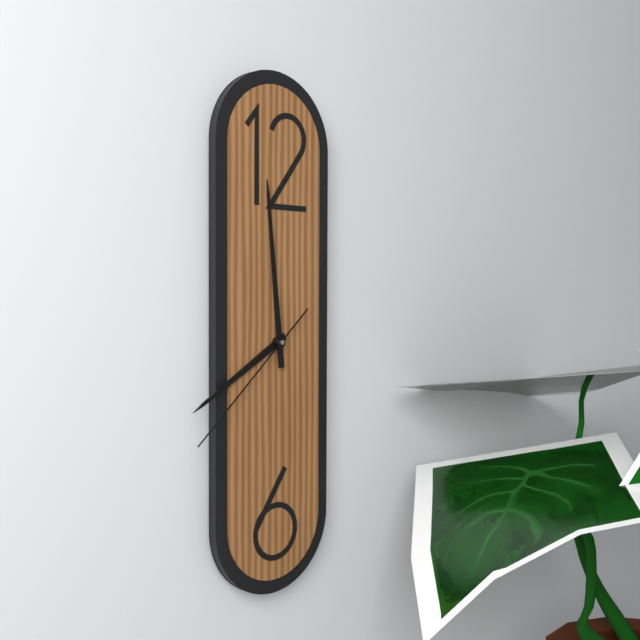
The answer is 7.59.38
